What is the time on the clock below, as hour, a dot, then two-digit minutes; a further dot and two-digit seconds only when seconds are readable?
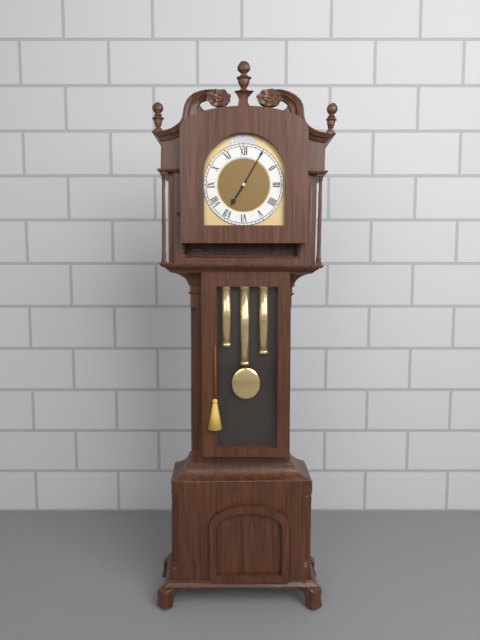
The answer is 7.05
